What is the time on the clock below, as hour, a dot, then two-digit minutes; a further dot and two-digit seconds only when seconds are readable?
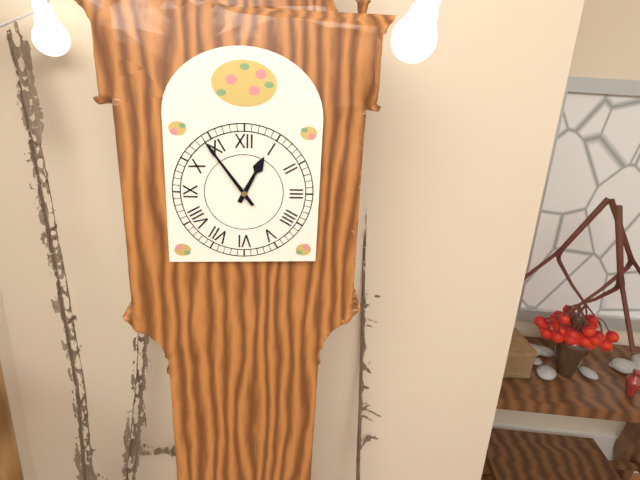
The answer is 12.54
